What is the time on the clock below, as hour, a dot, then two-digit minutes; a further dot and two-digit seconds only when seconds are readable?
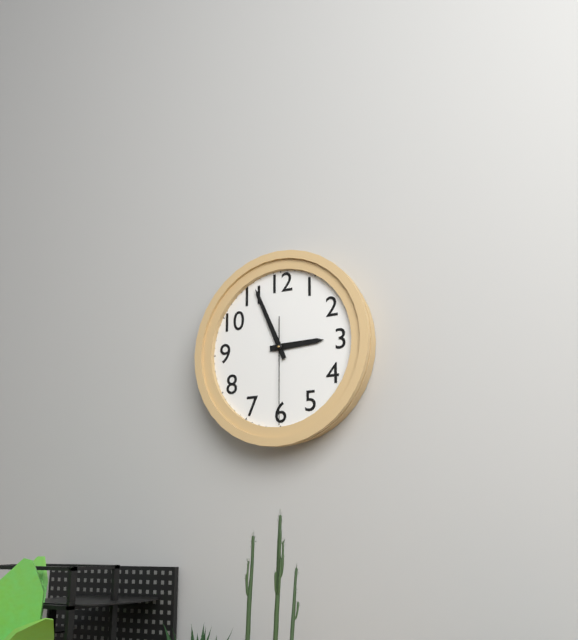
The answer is 2.56.30
